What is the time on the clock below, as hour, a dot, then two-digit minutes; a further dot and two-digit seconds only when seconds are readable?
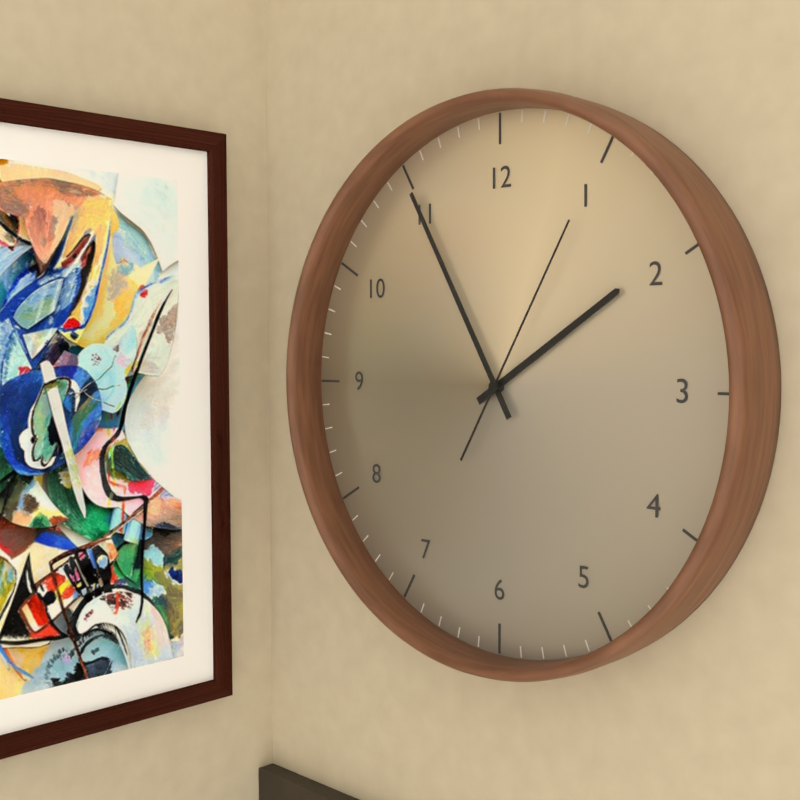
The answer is 1.55.05
